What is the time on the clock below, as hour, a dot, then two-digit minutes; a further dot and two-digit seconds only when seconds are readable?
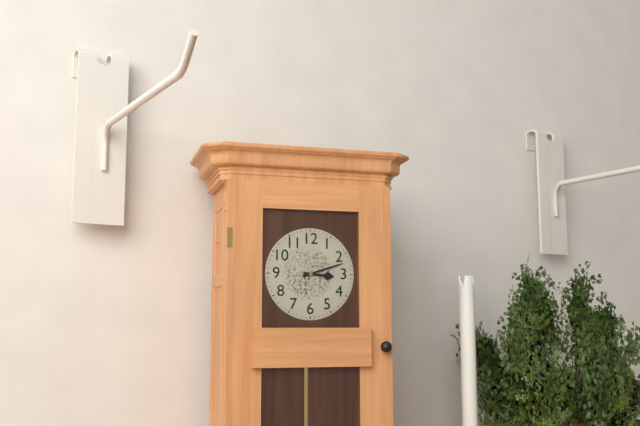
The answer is 3.12
